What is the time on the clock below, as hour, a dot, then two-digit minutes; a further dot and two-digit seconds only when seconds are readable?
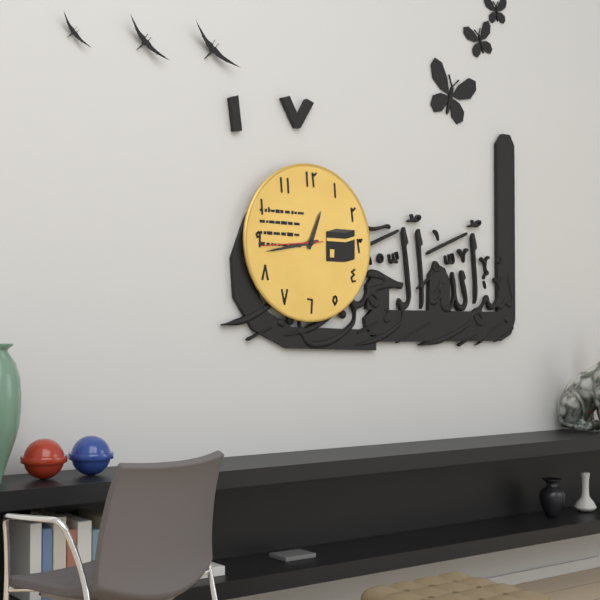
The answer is 12.43.44
